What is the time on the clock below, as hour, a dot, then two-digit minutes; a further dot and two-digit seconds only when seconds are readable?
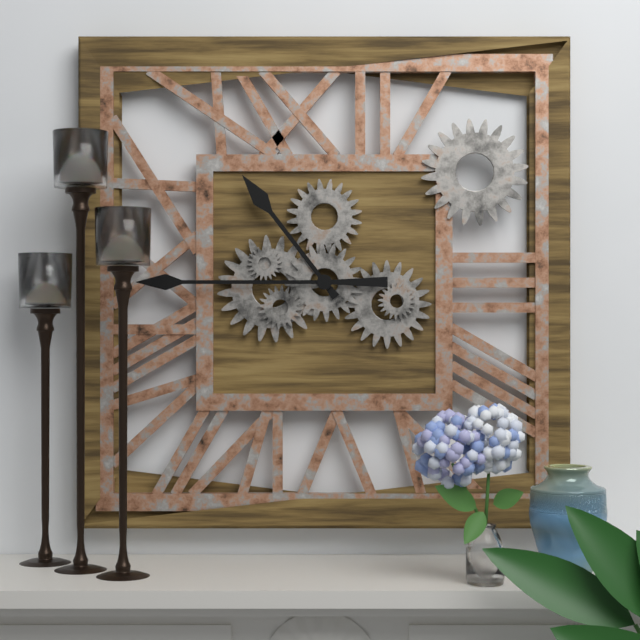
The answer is 10.45
